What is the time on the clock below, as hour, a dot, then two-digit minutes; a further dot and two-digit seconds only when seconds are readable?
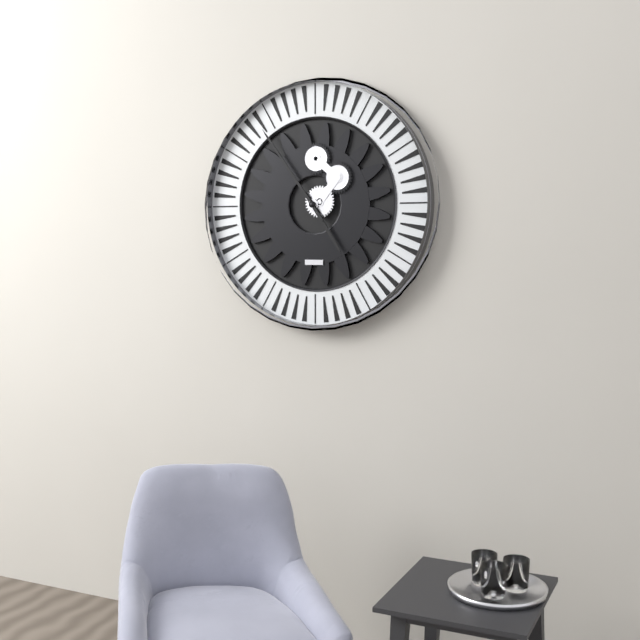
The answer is 4.54
